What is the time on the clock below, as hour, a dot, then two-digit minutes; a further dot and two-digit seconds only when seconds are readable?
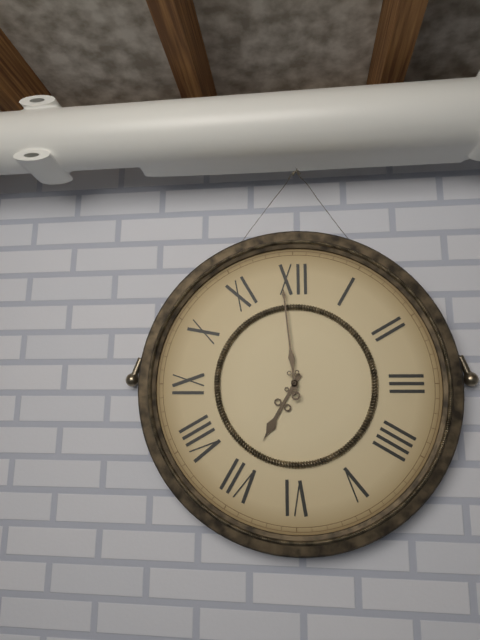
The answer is 6.59
